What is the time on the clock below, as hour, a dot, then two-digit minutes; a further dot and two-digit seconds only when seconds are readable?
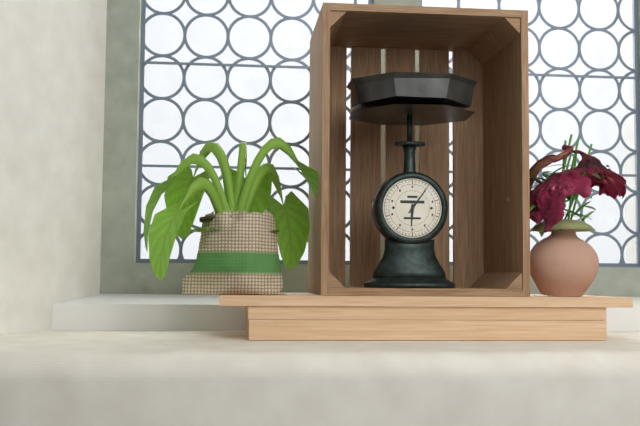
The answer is 6.06
